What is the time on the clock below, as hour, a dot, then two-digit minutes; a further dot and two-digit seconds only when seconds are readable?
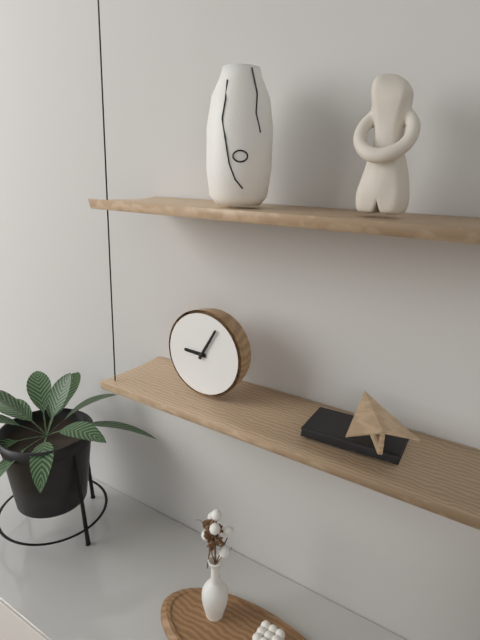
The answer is 9.05
